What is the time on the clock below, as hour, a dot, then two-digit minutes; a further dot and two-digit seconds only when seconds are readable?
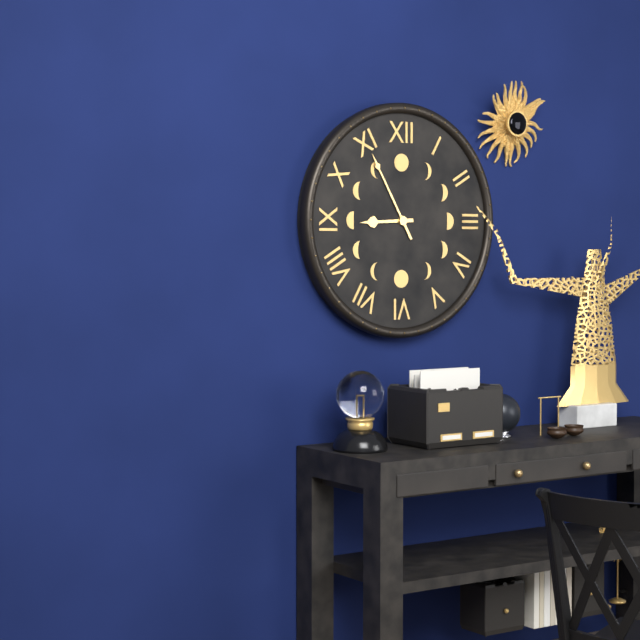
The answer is 8.55
